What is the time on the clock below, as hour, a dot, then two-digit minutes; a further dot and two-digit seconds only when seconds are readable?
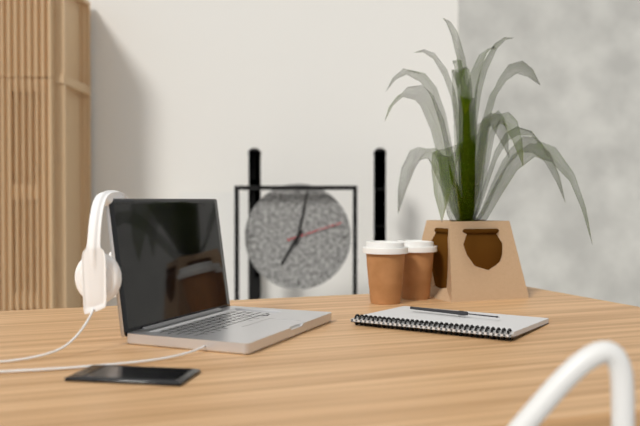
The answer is 7.02.12
